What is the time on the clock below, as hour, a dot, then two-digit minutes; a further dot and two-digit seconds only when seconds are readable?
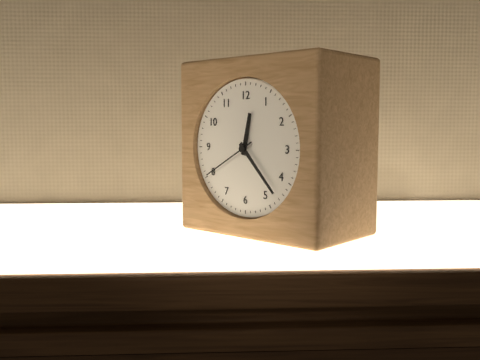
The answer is 12.23.40
